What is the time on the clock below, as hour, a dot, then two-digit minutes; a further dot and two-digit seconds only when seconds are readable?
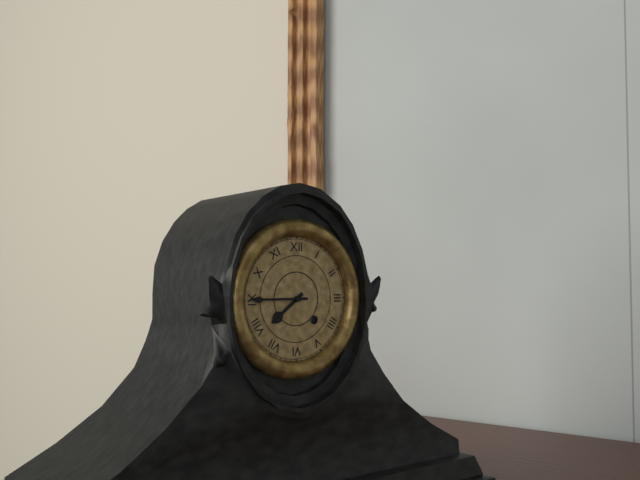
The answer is 7.45
